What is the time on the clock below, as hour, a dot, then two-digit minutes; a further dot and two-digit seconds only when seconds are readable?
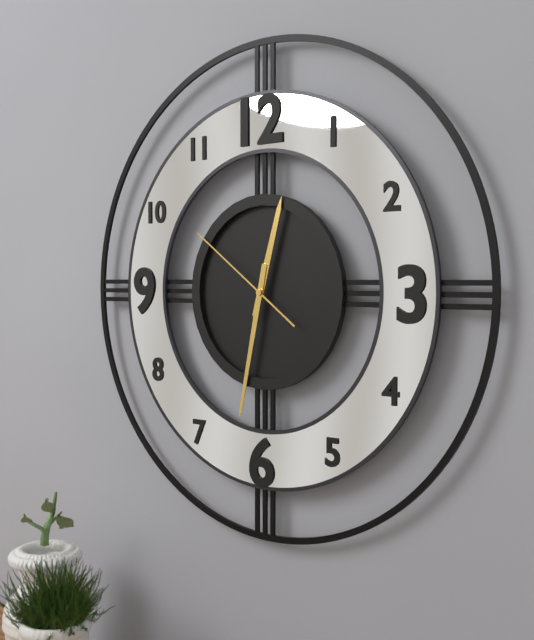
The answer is 12.32.51
